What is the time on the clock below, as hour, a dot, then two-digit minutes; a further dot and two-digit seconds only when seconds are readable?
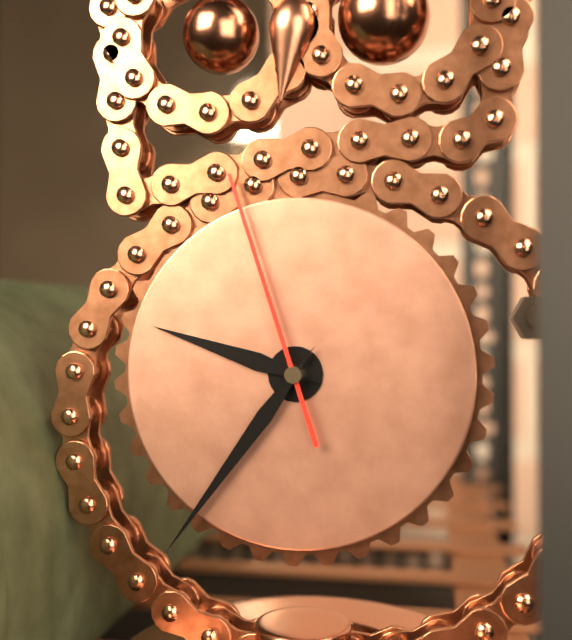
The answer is 9.36.57
